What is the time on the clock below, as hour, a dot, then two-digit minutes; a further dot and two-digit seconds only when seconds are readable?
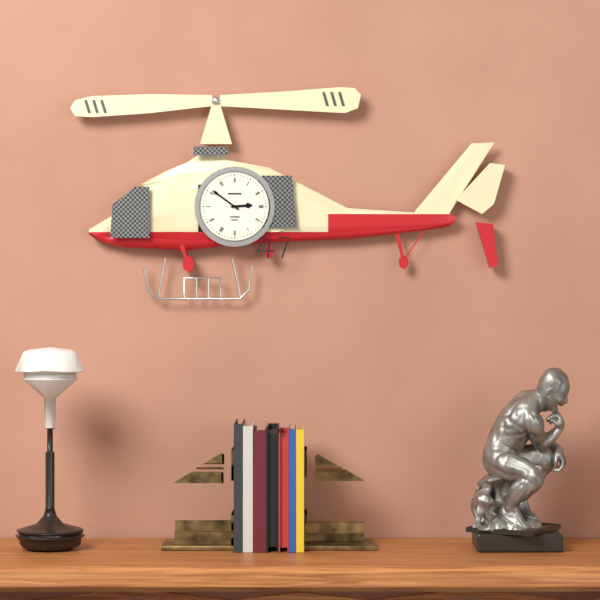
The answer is 2.51
